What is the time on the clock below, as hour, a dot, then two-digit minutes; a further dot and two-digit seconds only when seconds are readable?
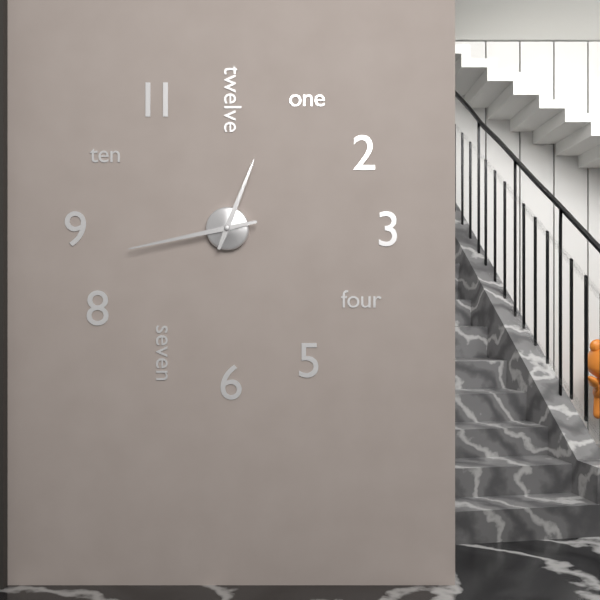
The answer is 12.43
